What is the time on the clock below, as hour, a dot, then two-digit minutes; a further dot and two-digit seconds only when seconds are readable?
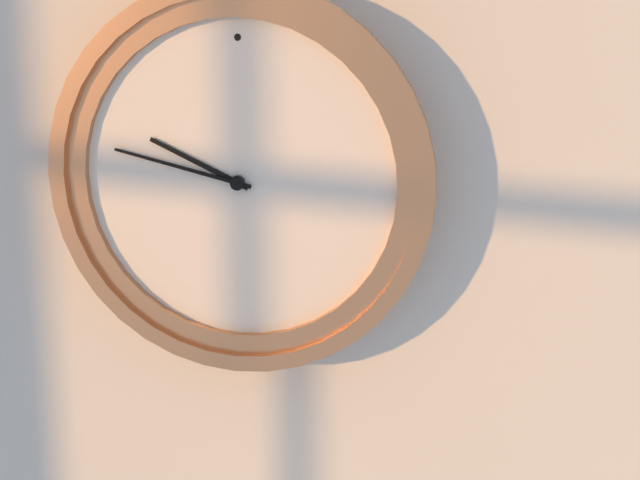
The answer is 9.47
